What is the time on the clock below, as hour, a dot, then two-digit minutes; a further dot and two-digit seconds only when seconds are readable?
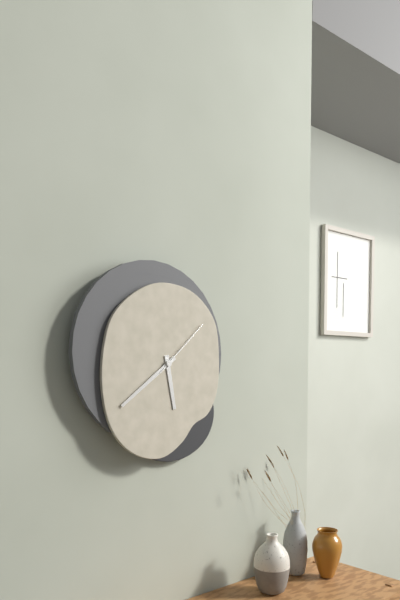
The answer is 5.39.08
